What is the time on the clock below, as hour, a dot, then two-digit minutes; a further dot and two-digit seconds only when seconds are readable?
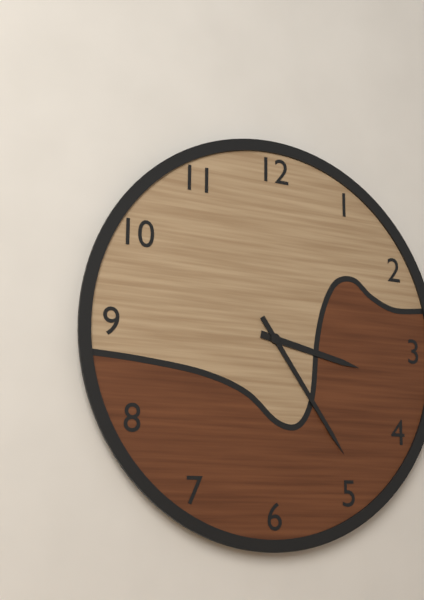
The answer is 3.24
